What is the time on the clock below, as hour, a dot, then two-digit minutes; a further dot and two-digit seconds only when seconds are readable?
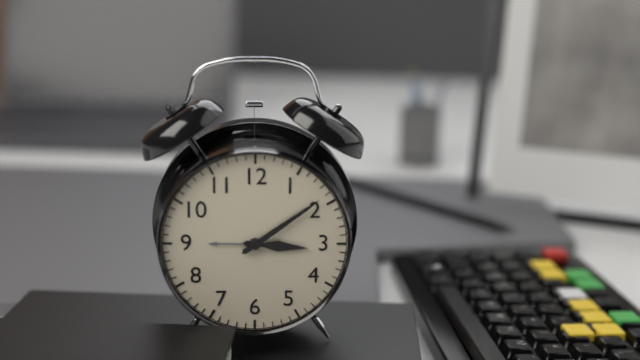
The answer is 3.09
